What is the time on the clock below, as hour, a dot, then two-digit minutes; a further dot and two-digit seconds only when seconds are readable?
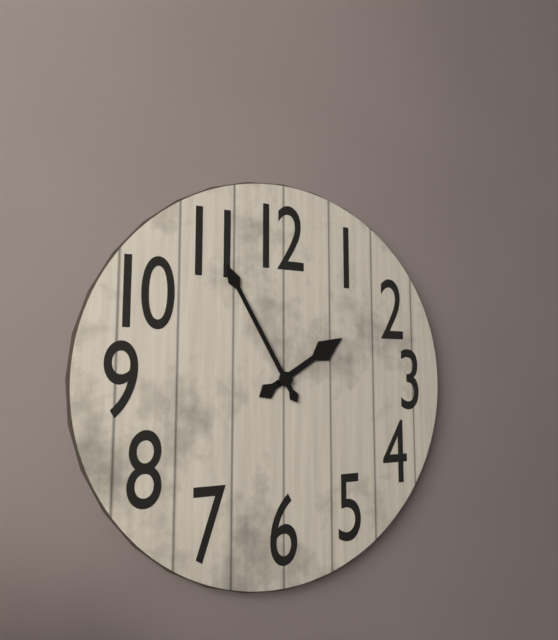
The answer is 1.55
